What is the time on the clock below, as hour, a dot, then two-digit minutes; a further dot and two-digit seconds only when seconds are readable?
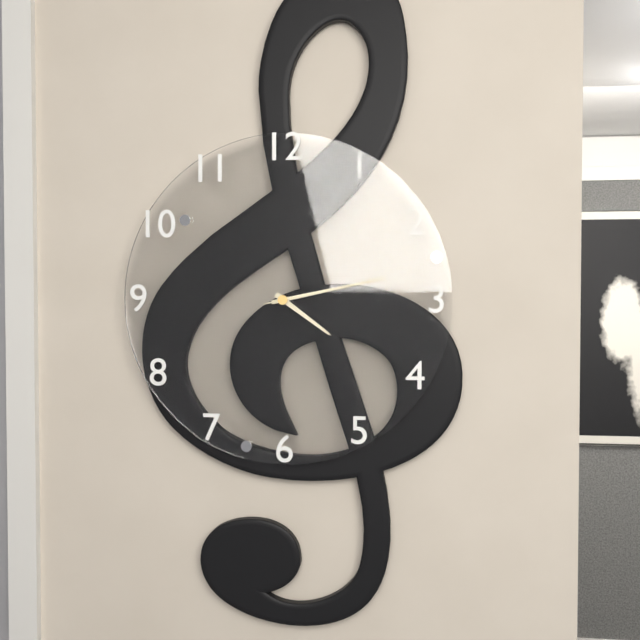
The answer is 4.13.13
